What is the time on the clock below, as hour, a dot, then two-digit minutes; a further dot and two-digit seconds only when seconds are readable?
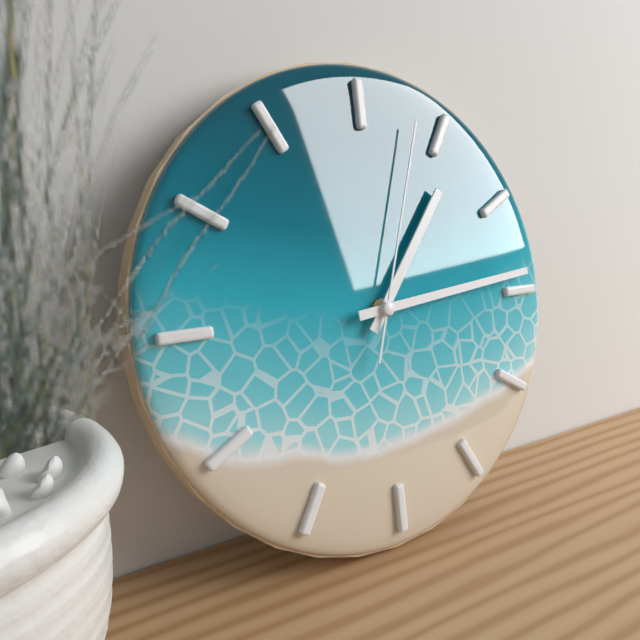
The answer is 1.14.03
